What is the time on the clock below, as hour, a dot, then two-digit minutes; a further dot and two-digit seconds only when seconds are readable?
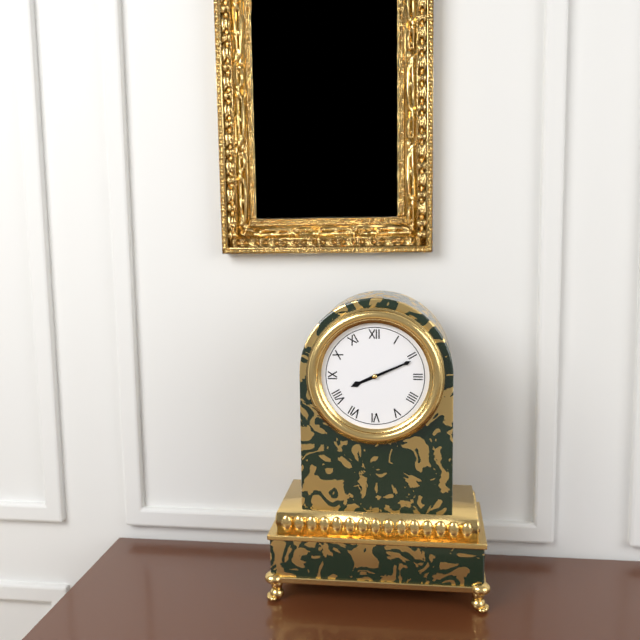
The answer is 8.11
